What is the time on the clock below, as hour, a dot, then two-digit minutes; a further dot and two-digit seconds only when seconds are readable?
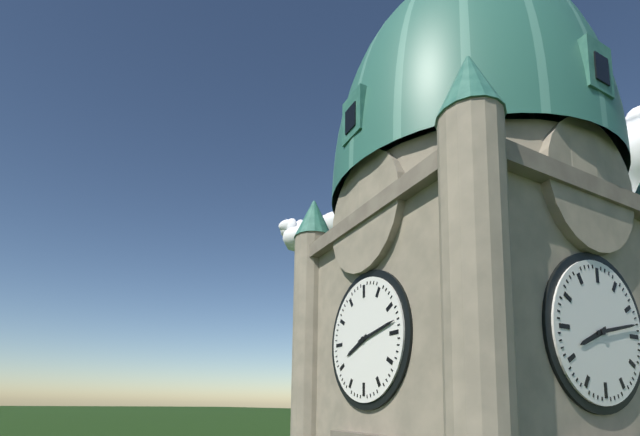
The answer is 8.13
